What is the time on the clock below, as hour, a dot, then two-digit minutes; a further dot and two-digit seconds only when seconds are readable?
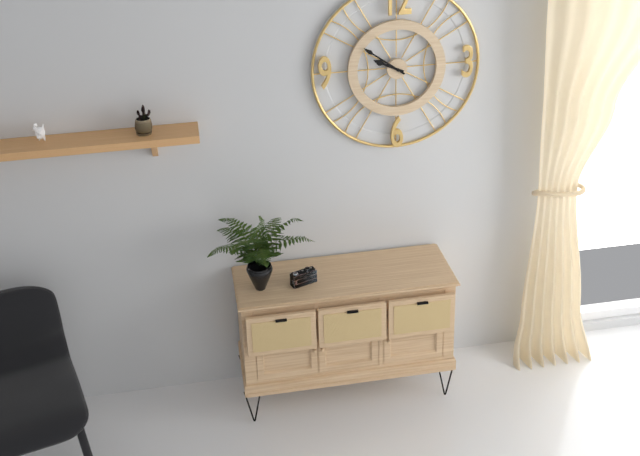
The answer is 9.51
